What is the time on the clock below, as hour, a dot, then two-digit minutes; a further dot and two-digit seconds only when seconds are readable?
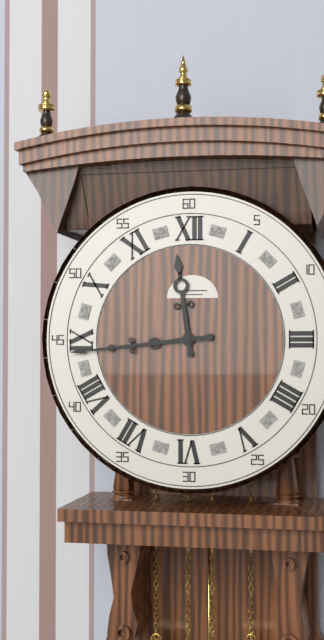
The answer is 11.44
